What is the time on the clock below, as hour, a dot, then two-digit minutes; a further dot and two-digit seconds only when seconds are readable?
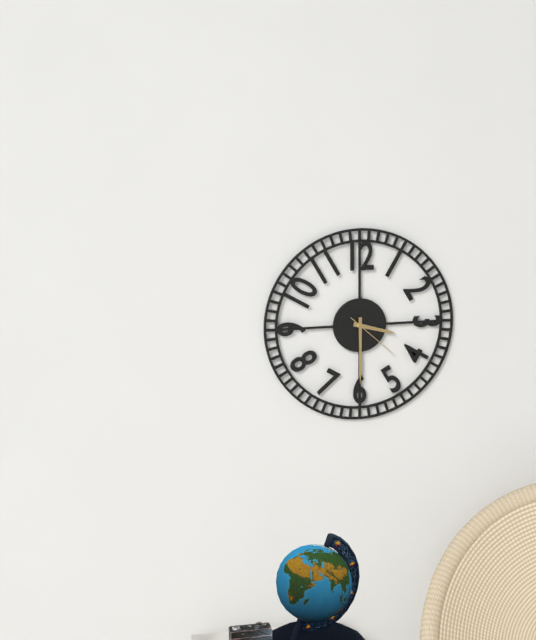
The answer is 3.30.22
